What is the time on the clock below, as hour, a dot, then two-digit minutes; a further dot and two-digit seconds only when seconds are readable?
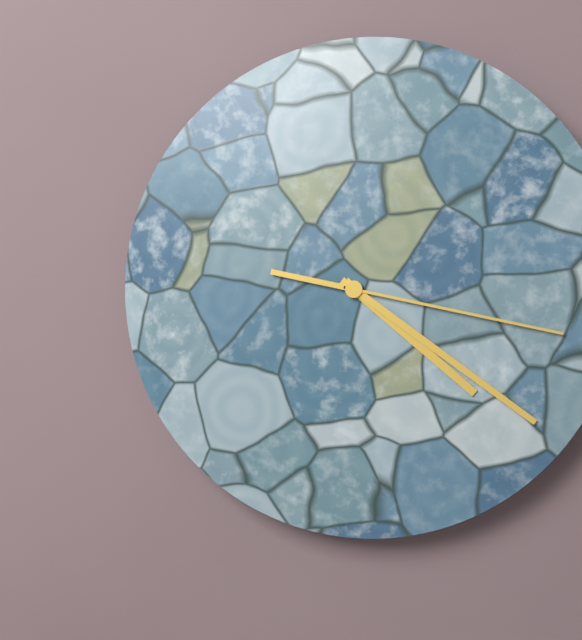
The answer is 4.21.17
